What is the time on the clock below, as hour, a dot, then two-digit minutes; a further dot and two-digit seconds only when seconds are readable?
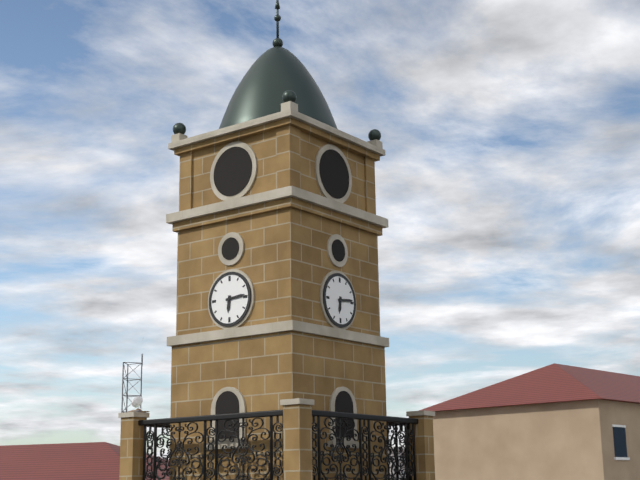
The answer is 6.14
